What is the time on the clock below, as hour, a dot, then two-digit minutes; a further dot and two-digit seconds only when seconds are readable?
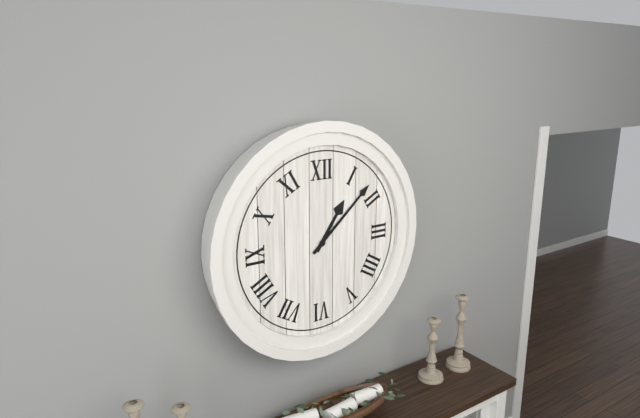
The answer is 1.08
